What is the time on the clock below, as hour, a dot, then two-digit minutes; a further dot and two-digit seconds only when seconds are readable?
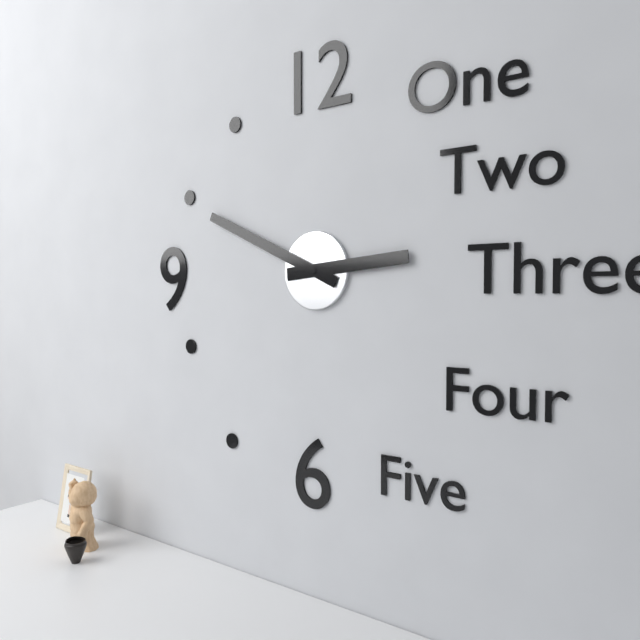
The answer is 2.49
